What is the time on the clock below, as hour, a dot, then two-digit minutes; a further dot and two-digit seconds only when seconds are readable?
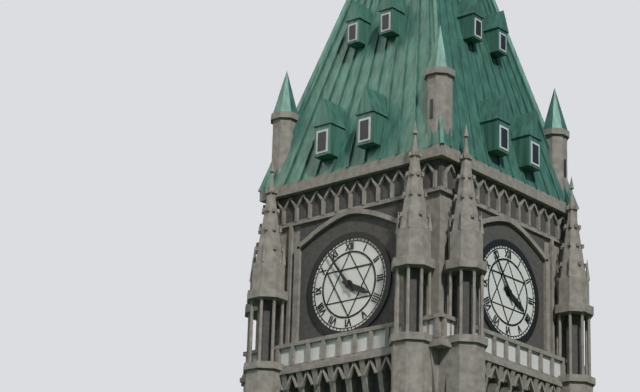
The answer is 3.54
